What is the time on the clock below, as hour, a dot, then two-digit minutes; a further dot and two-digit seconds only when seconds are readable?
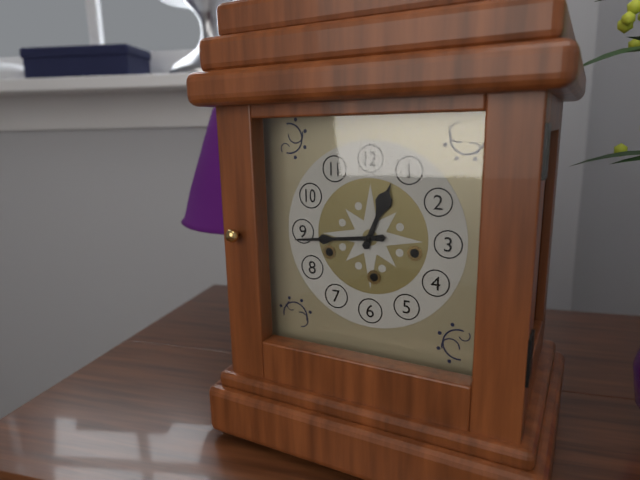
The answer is 12.44
